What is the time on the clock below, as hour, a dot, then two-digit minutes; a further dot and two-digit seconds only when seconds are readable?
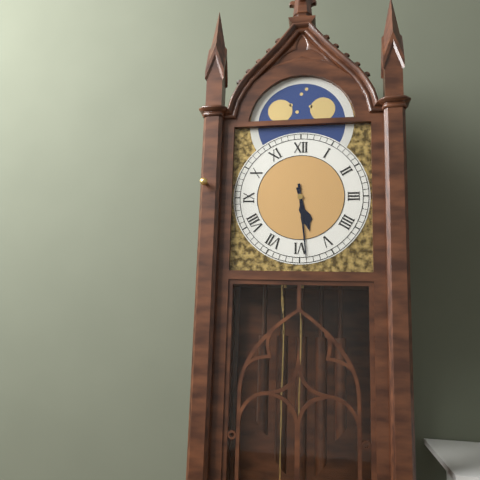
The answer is 5.29
